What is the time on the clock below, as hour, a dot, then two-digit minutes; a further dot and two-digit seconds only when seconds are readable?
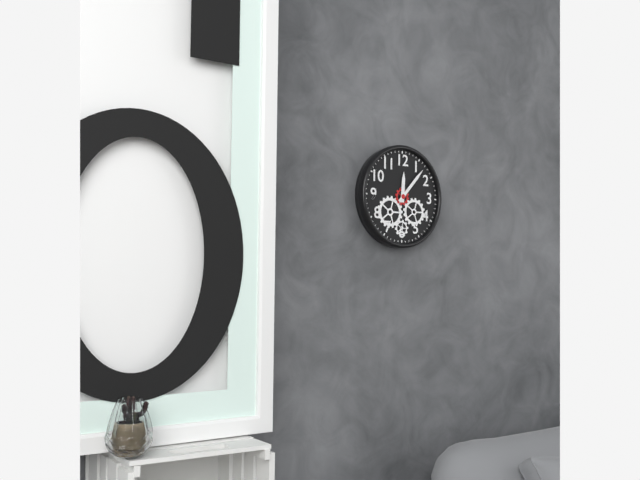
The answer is 12.07
